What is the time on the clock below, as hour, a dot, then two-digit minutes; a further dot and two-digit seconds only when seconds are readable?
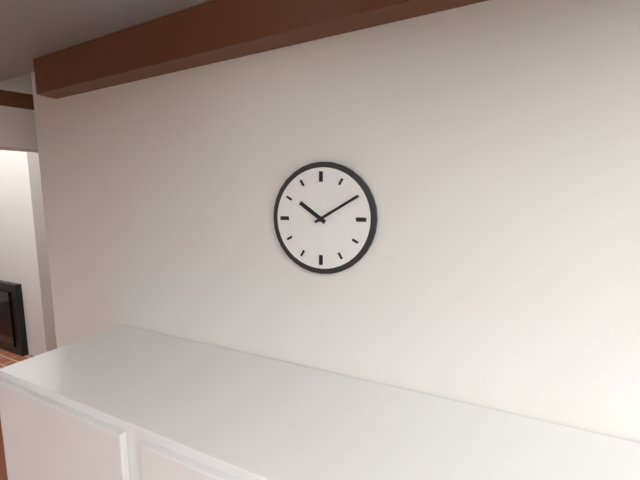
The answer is 10.10
